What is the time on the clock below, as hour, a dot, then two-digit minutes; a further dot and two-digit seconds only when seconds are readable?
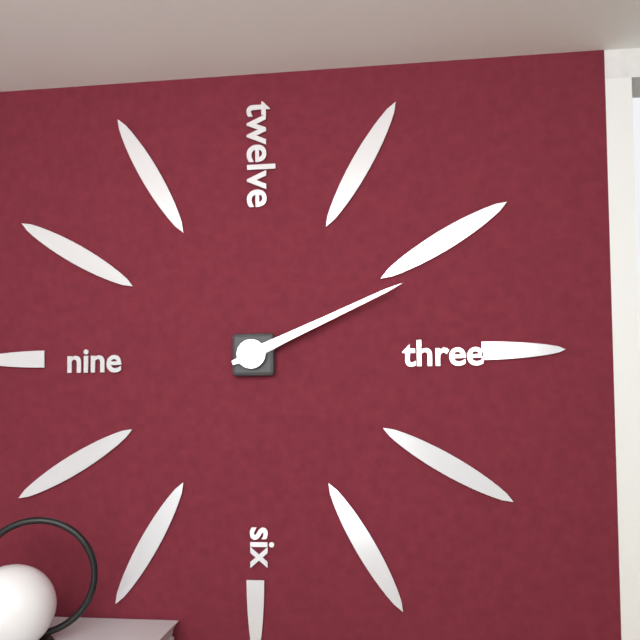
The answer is 2.11
